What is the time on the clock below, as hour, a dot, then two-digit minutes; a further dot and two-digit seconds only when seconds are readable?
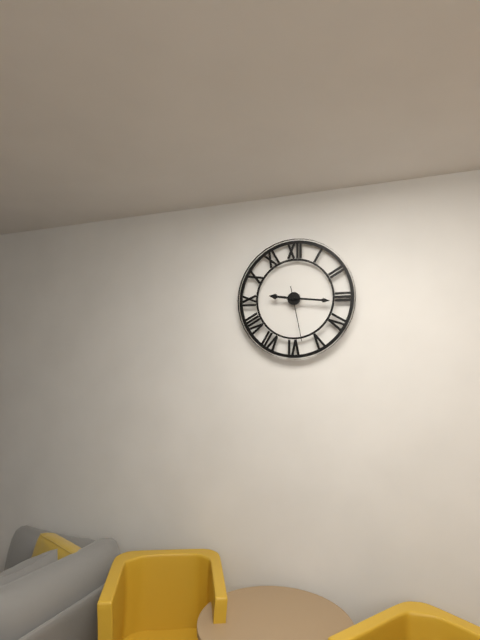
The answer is 9.16.28
